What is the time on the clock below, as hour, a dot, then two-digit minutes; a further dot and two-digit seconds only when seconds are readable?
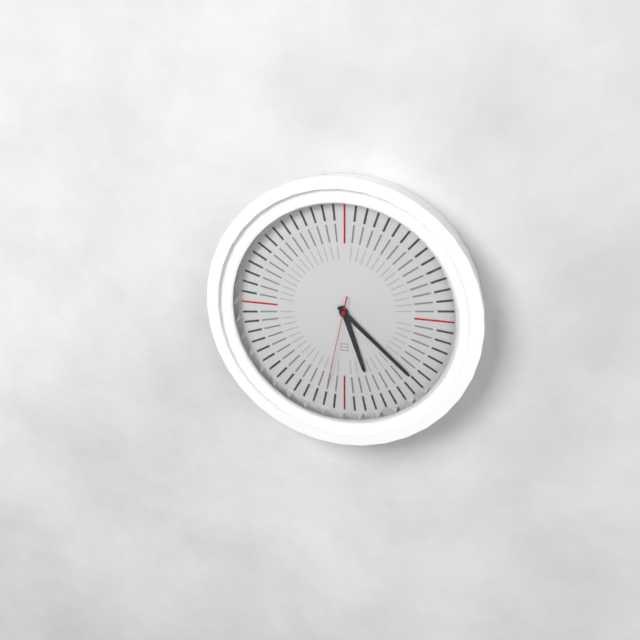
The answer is 5.22.32
